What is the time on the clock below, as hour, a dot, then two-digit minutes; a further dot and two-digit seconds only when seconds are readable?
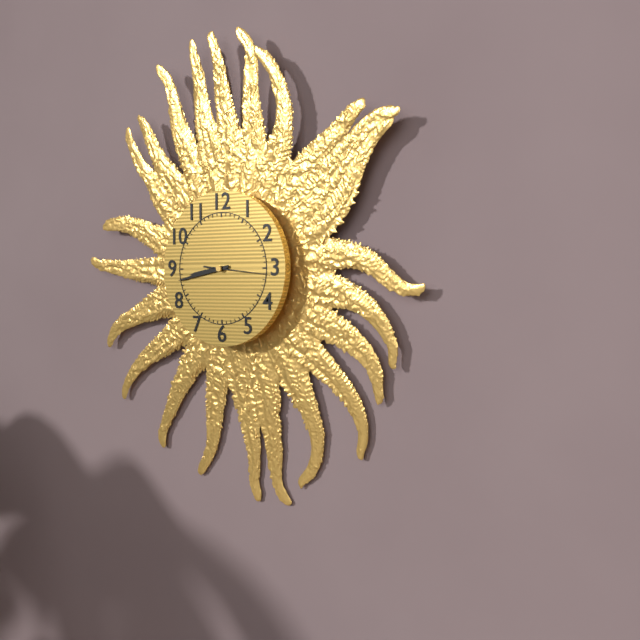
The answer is 8.43
